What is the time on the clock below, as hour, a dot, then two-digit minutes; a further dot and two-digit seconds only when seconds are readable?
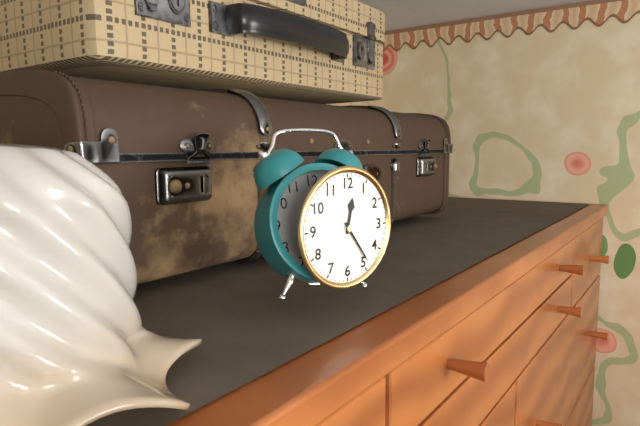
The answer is 12.24
